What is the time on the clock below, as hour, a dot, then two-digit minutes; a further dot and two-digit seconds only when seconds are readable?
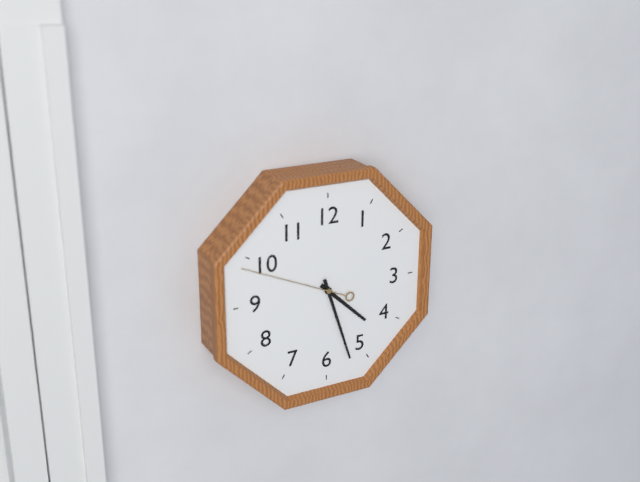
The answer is 4.27.49
